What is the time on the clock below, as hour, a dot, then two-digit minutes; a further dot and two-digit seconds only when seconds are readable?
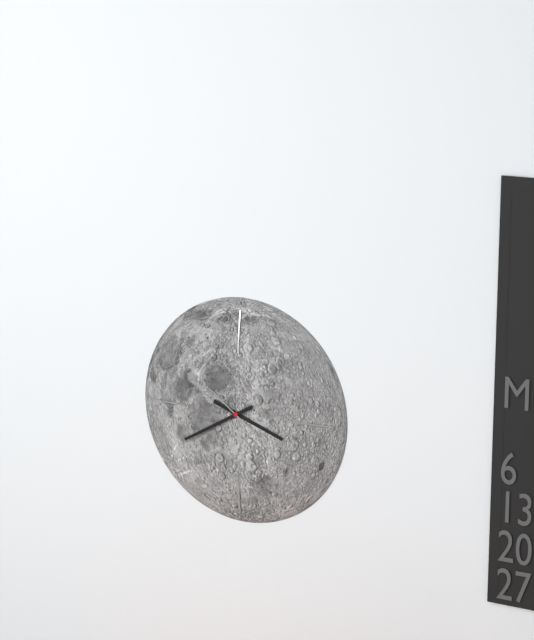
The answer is 3.40
